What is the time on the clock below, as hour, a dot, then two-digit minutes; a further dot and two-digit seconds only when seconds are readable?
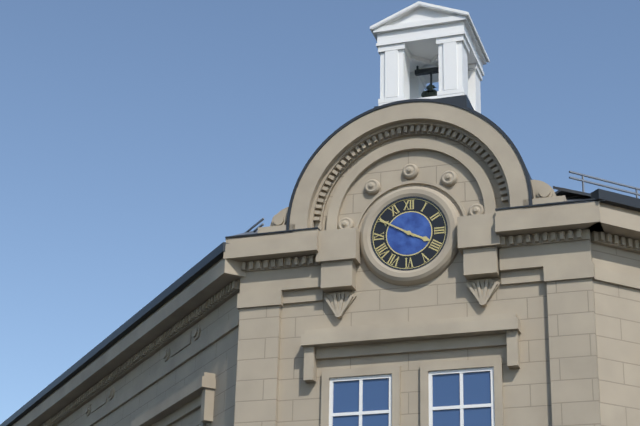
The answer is 3.50
